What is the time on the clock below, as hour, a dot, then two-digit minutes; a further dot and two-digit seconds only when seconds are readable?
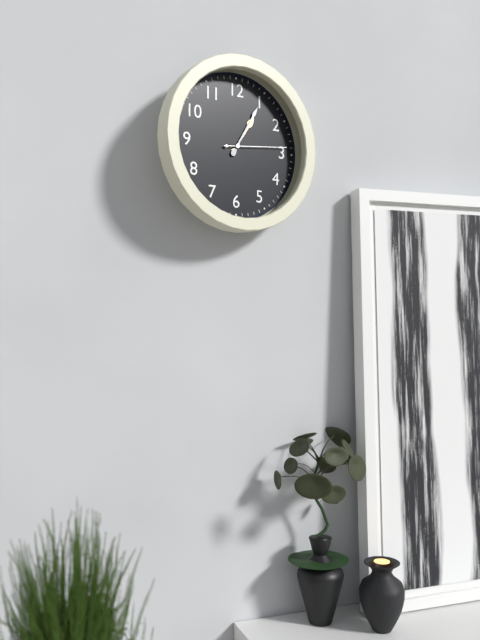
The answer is 1.05.14
